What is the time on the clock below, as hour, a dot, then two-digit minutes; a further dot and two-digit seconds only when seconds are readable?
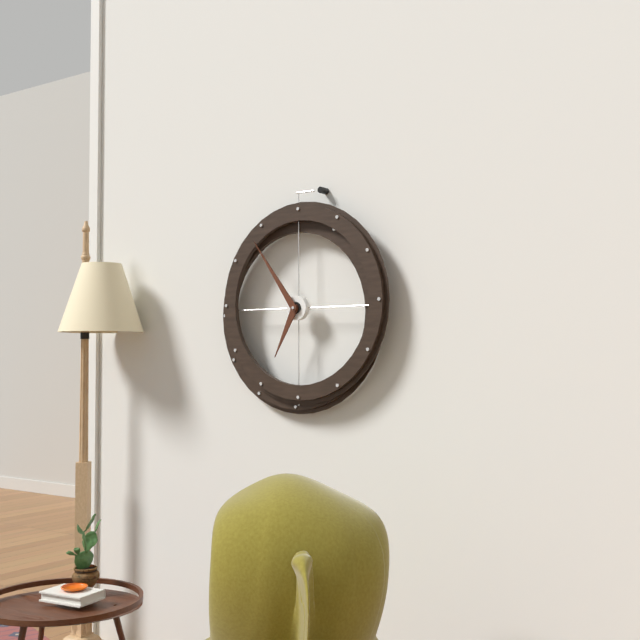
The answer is 6.54
